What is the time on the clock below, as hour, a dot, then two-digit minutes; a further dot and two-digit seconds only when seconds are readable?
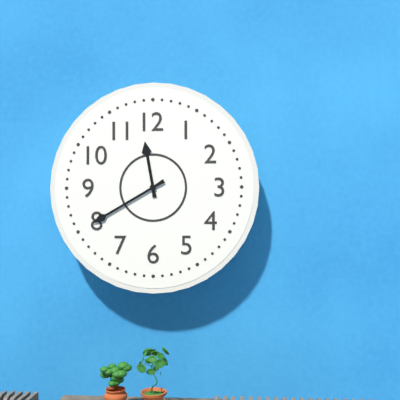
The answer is 11.40
